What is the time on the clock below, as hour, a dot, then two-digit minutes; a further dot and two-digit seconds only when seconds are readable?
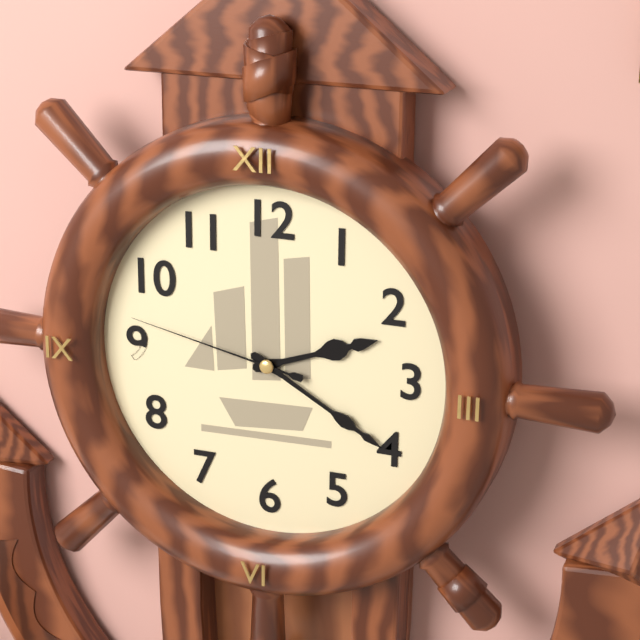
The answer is 2.20.47
